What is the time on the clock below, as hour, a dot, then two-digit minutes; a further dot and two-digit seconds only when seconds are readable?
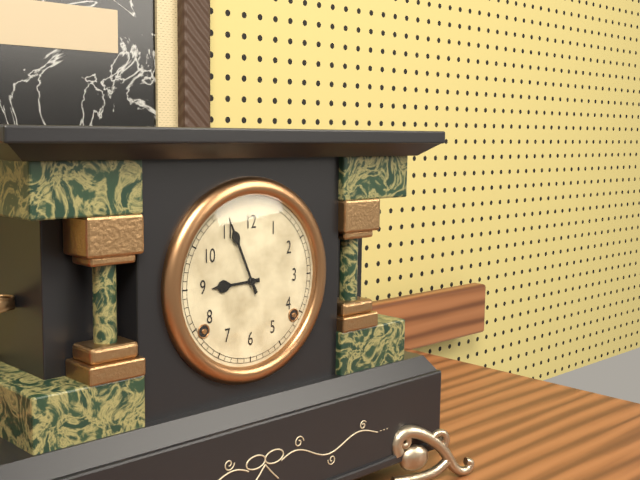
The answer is 8.56
